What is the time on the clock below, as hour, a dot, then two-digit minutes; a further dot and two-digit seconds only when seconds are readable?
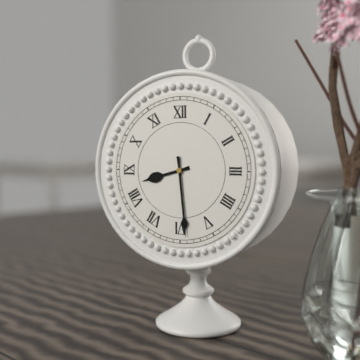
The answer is 8.29
